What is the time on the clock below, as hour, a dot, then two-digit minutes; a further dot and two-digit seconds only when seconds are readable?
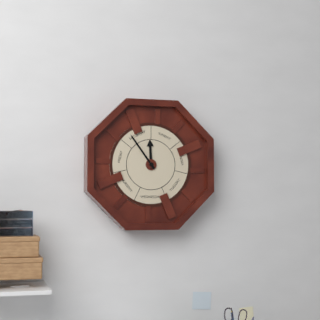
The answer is 11.54
